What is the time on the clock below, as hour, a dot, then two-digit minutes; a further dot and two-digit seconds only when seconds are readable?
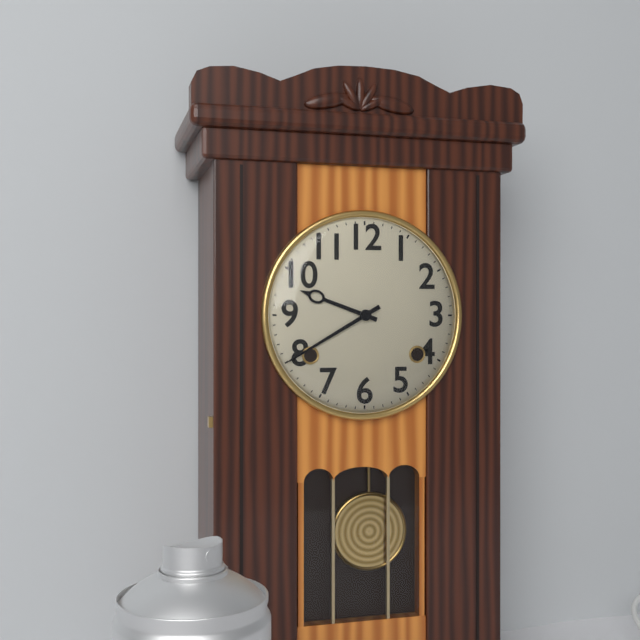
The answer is 9.40
